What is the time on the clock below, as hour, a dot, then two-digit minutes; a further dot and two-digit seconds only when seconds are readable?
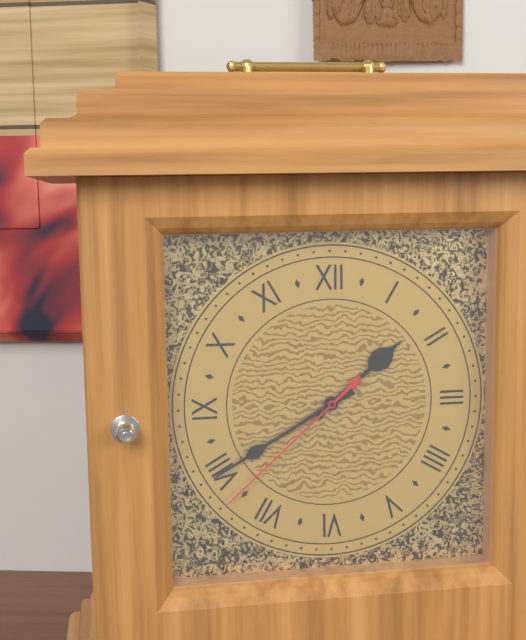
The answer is 1.40.38
